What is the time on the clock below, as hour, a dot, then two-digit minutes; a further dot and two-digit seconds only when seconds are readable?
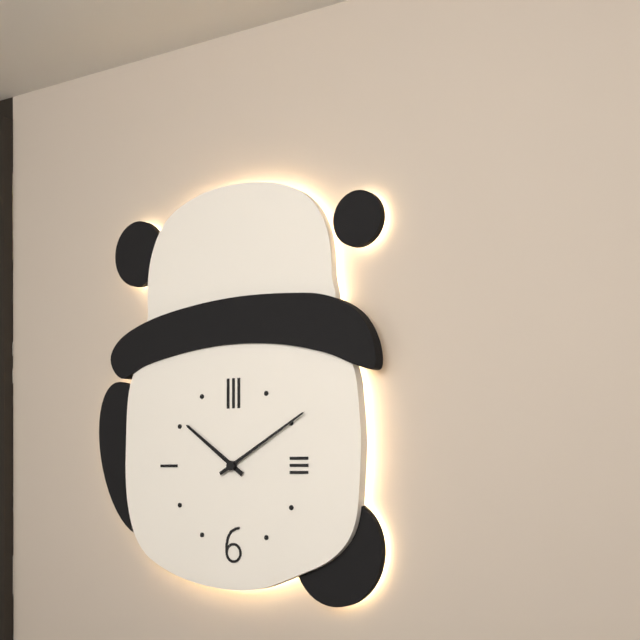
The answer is 10.10
